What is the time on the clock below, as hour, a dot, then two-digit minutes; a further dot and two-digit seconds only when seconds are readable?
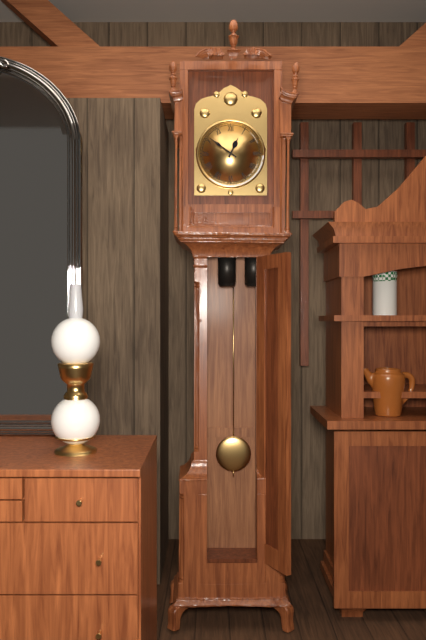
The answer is 12.51
